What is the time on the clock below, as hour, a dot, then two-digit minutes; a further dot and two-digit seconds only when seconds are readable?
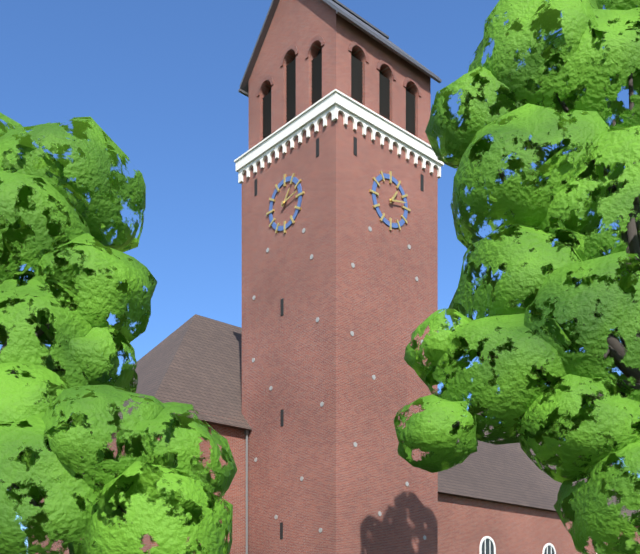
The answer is 1.13
